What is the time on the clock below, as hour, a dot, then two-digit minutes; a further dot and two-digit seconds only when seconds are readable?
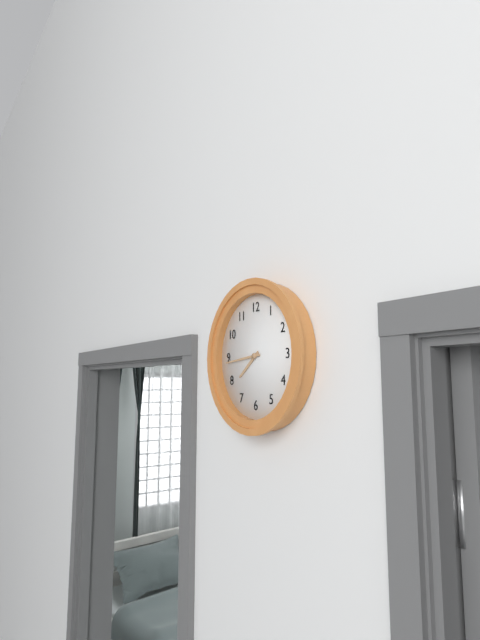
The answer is 7.44
